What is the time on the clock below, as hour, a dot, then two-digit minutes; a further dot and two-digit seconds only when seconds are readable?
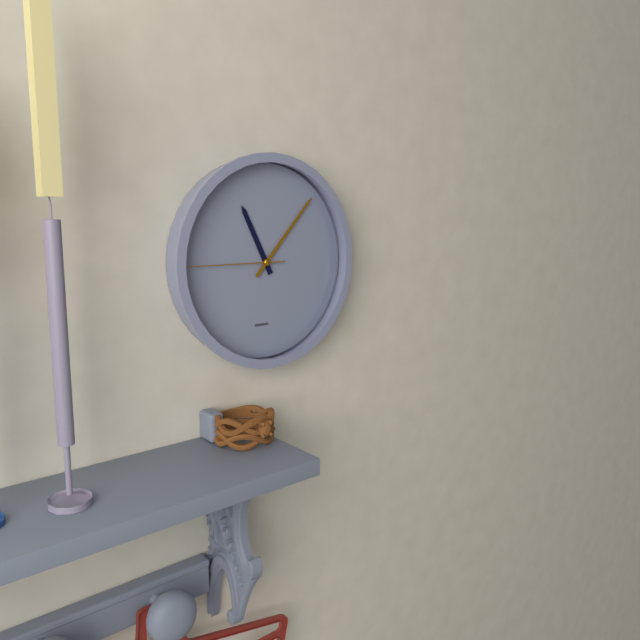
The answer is 11.07.45
